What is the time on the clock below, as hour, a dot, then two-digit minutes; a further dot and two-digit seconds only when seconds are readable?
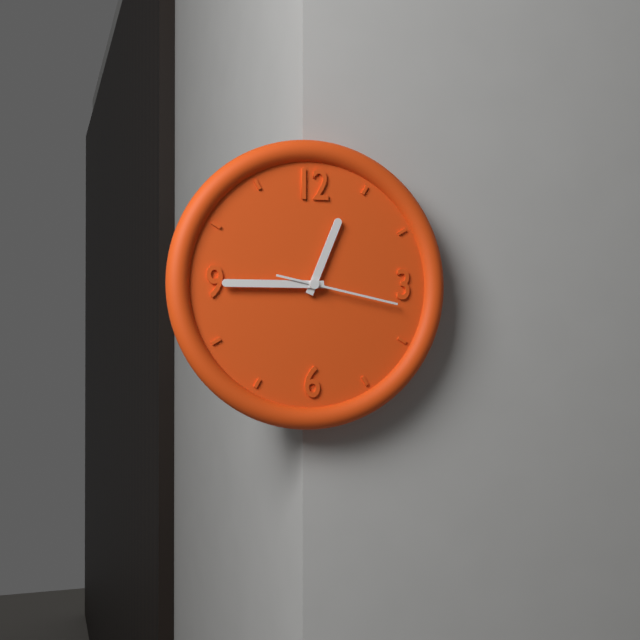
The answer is 12.45.17
